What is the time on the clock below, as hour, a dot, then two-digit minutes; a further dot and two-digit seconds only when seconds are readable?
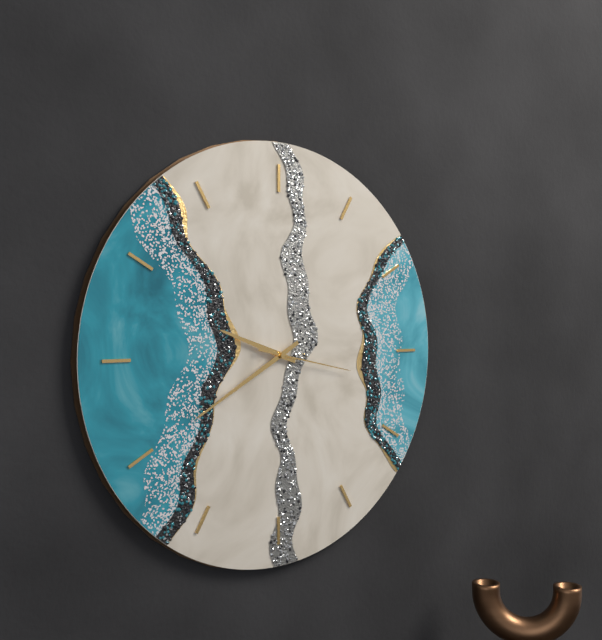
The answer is 9.40.17
